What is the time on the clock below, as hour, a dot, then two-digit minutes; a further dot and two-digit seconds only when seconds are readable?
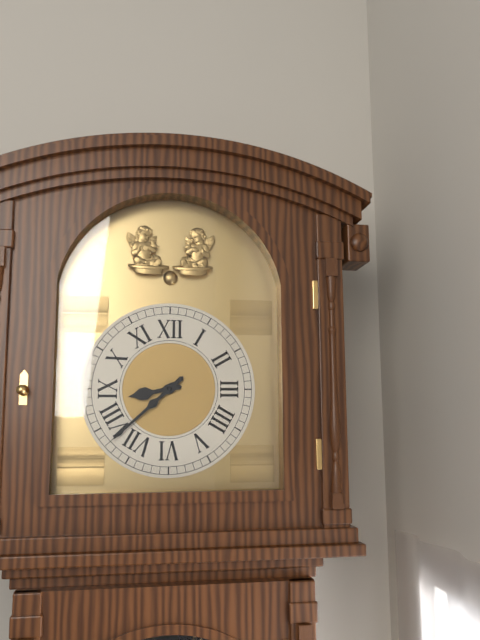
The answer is 8.38
